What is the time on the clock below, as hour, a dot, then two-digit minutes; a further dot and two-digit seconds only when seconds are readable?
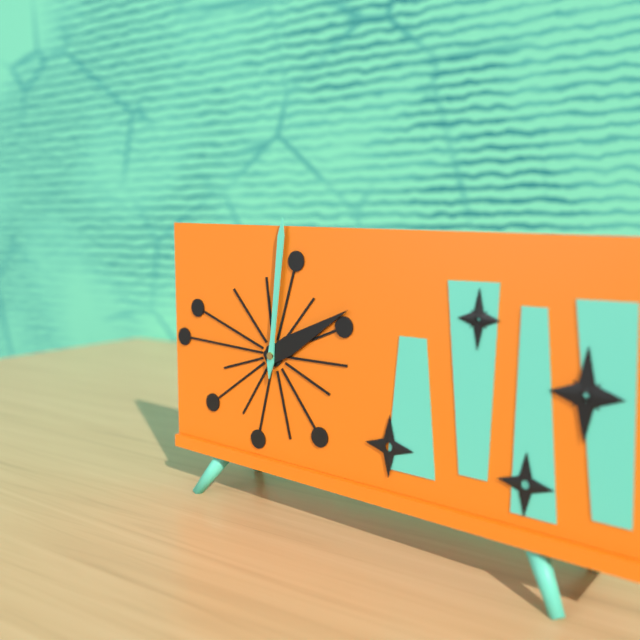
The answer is 2.01
